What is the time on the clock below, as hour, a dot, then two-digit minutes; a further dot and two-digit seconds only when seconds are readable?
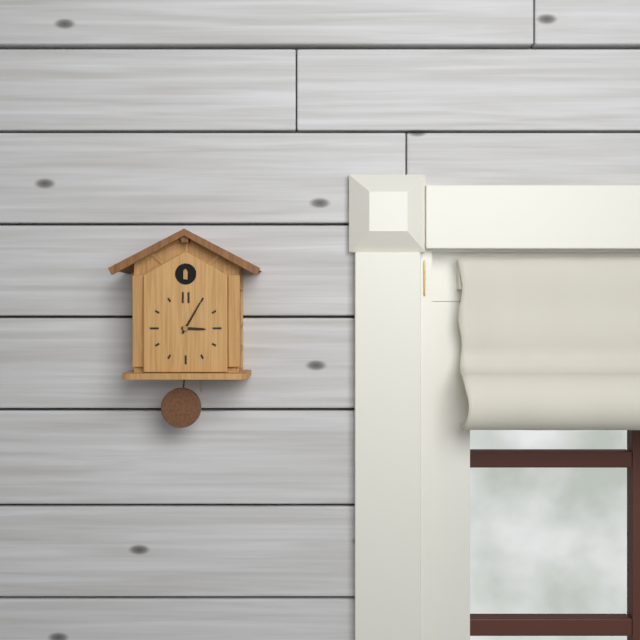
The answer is 3.05
